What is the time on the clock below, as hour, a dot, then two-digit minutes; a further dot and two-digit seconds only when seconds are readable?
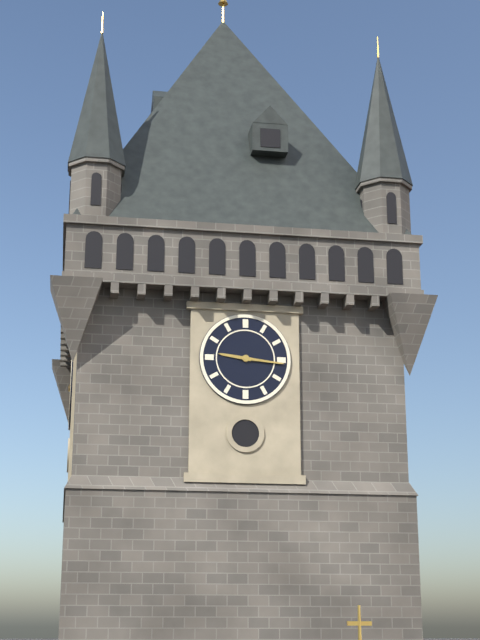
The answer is 9.16
